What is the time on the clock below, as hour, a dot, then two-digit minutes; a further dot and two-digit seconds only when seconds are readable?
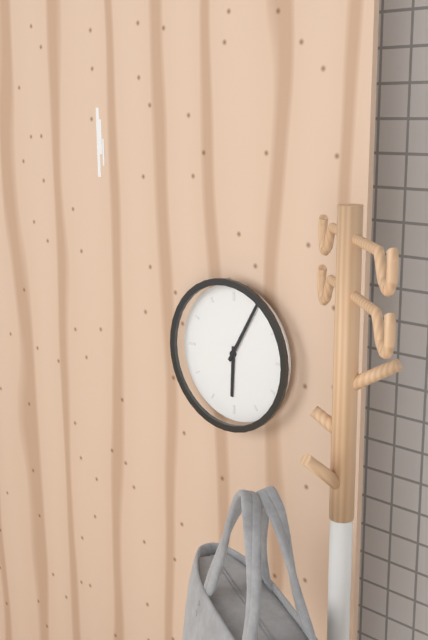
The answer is 6.05
